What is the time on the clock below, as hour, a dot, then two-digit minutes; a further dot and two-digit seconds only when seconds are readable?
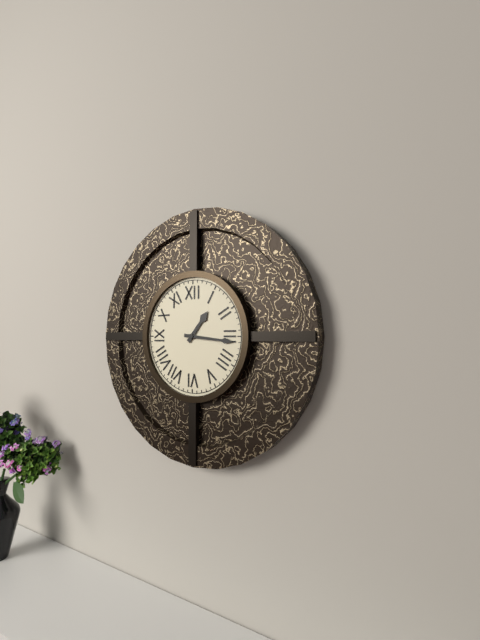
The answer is 1.16
